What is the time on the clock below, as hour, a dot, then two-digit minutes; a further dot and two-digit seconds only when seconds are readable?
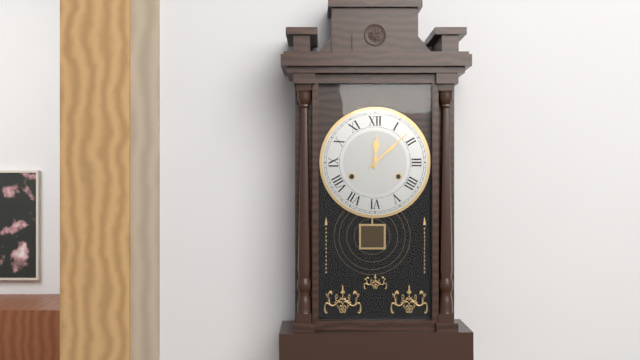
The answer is 12.08
